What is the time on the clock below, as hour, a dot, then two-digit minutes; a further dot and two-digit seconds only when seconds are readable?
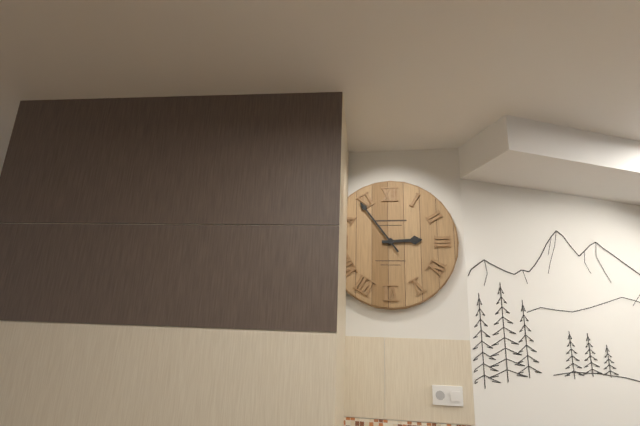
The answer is 2.54
